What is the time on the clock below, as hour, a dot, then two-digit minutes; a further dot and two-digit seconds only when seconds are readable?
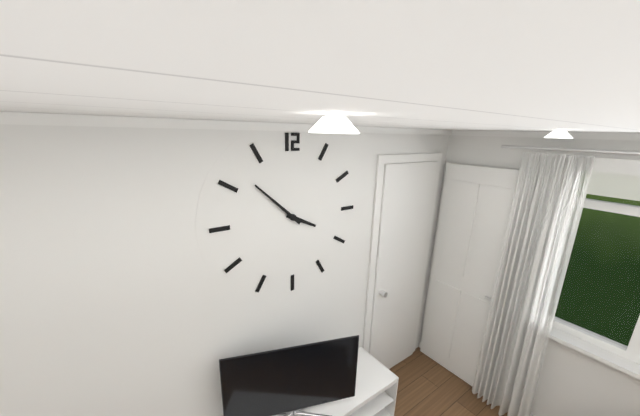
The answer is 3.52
